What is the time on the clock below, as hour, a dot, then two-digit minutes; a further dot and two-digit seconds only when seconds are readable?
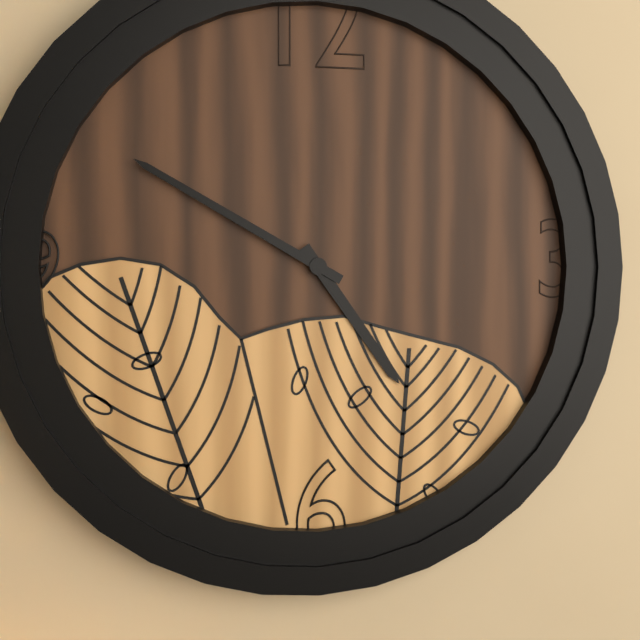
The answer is 4.50
